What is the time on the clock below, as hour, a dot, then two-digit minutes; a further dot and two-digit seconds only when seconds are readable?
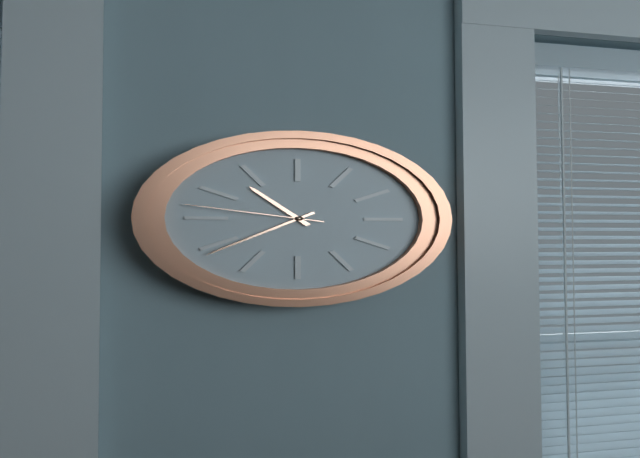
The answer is 10.39.47
